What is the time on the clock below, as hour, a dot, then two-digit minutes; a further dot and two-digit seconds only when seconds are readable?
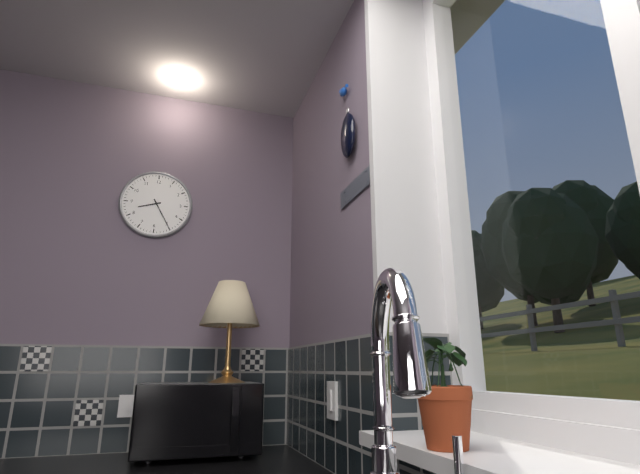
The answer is 8.25
